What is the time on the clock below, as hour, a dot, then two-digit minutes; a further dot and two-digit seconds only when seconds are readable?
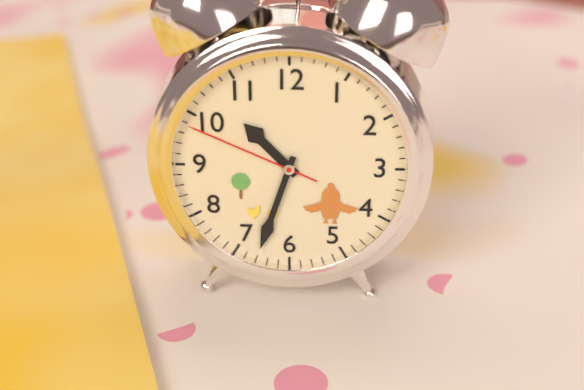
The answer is 10.33.49
